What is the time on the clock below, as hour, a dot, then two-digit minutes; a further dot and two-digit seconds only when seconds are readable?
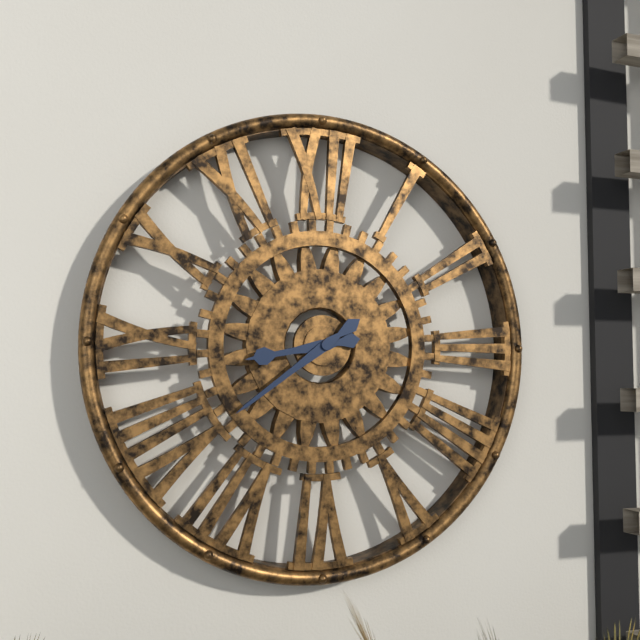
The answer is 8.39
